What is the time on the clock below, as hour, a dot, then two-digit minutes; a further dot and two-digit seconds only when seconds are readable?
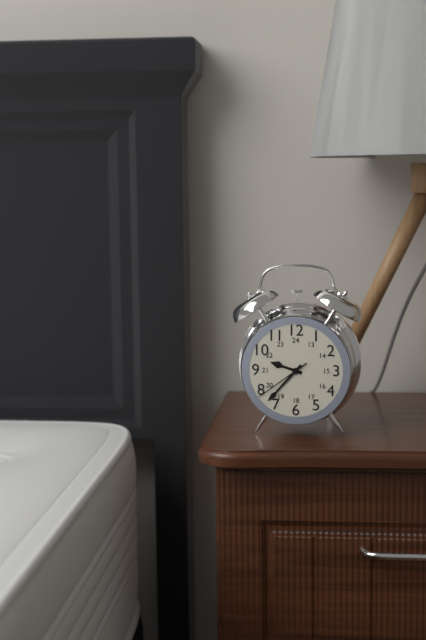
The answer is 9.37.39
